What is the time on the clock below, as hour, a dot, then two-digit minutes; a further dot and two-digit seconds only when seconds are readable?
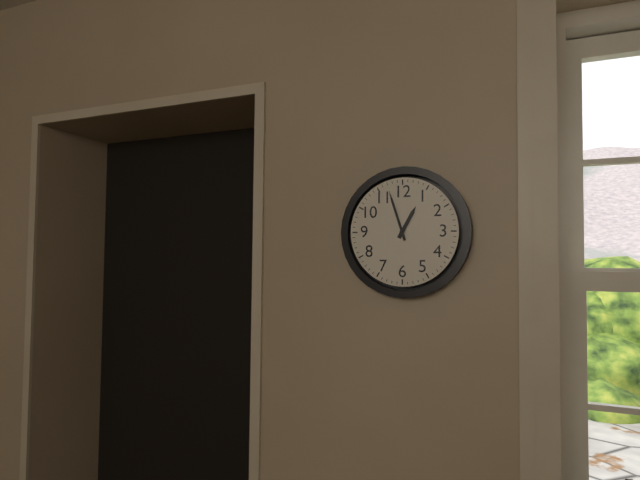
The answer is 12.57
